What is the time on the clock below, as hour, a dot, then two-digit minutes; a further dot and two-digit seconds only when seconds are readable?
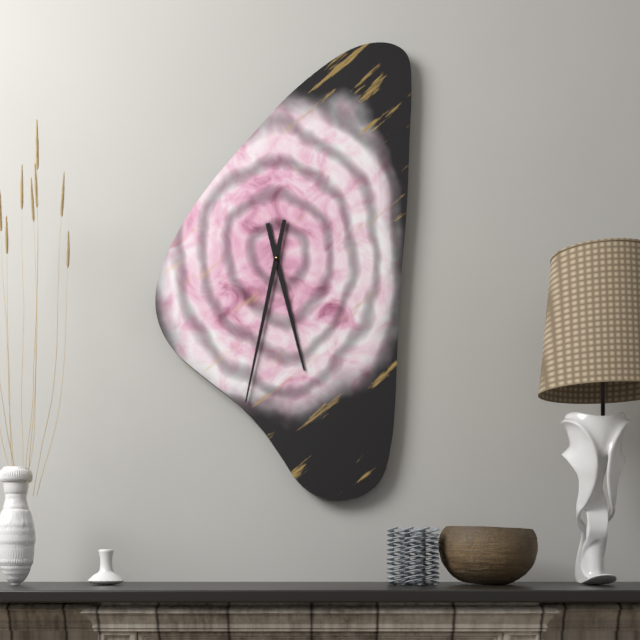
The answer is 5.32
